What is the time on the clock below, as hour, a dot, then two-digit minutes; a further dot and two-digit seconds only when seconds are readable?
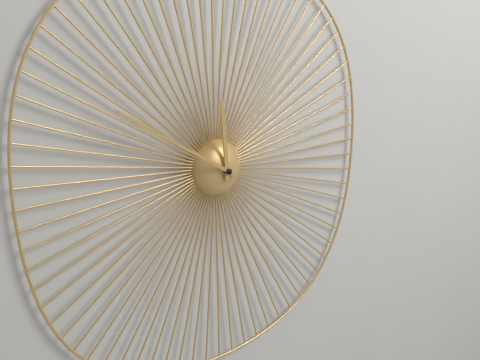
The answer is 11.50
